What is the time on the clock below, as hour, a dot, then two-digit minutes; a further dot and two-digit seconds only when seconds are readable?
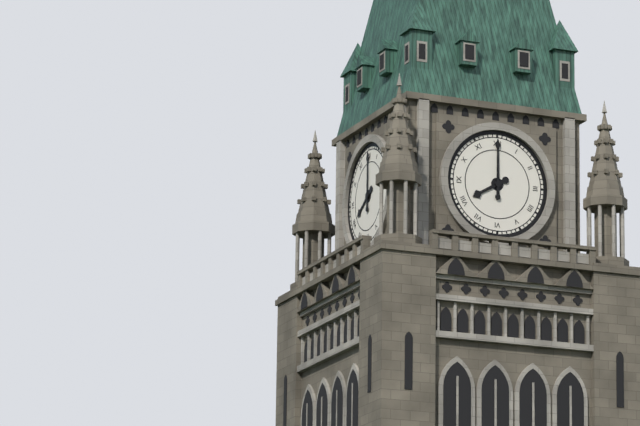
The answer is 8.00
